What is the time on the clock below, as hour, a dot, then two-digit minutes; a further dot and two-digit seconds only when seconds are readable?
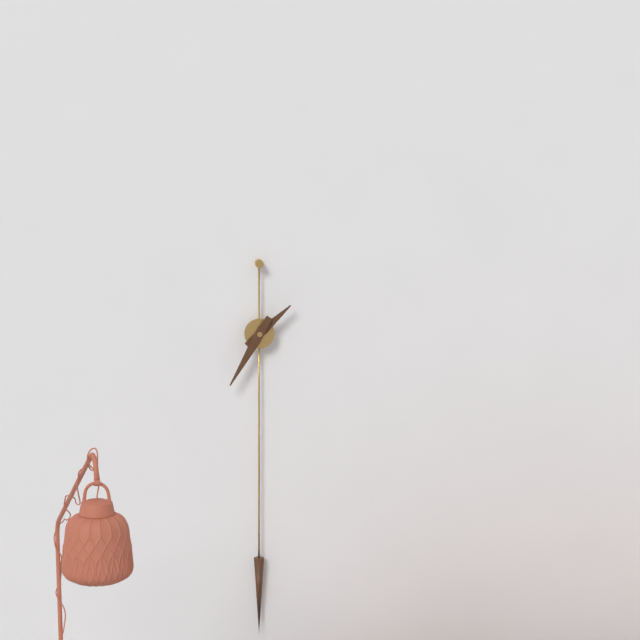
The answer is 1.35
